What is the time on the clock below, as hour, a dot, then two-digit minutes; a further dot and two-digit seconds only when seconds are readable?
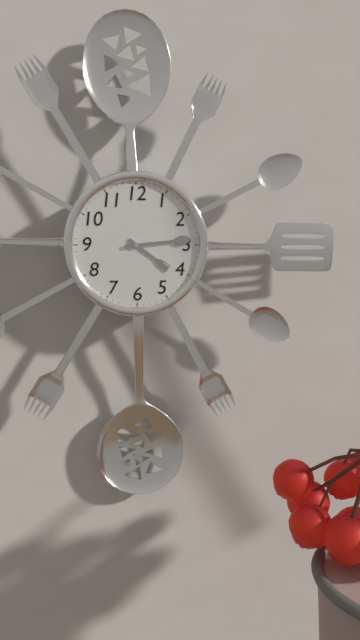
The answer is 4.14
